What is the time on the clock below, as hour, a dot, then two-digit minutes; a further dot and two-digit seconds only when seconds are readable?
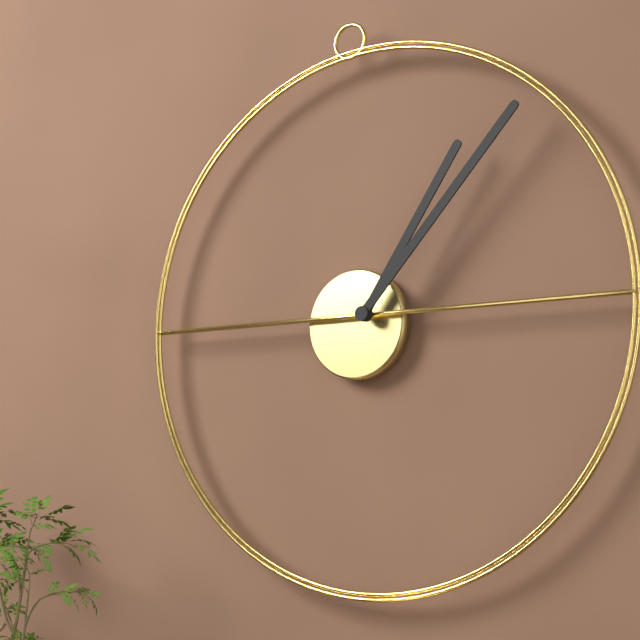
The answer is 1.07
